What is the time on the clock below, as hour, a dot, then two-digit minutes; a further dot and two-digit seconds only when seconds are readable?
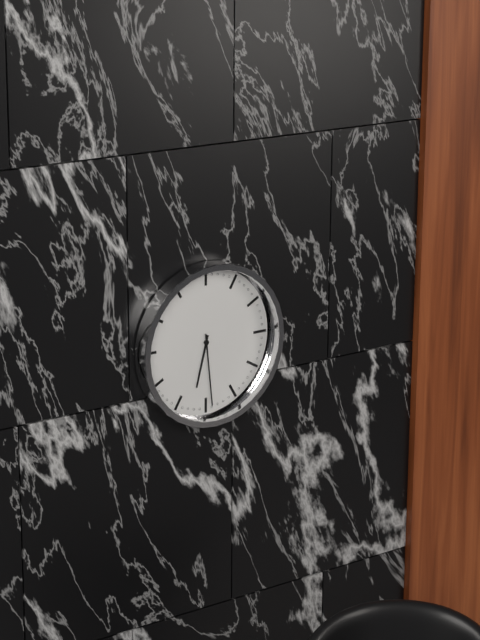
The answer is 6.29
